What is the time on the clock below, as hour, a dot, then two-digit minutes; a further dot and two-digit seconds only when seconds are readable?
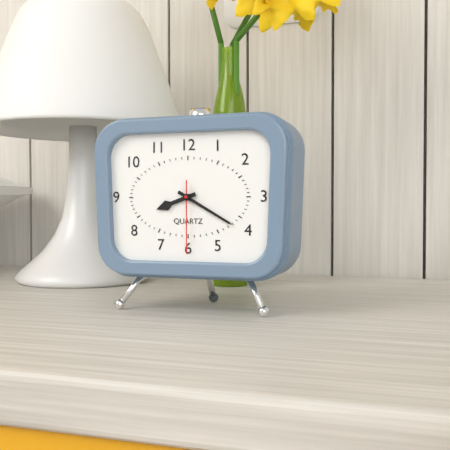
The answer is 8.20.30
